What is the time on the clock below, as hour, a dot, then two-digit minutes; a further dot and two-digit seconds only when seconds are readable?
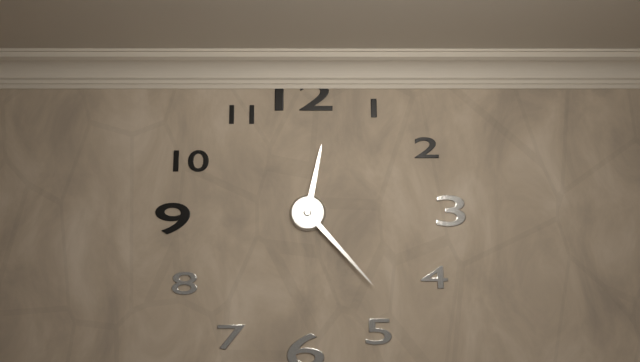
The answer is 12.23
